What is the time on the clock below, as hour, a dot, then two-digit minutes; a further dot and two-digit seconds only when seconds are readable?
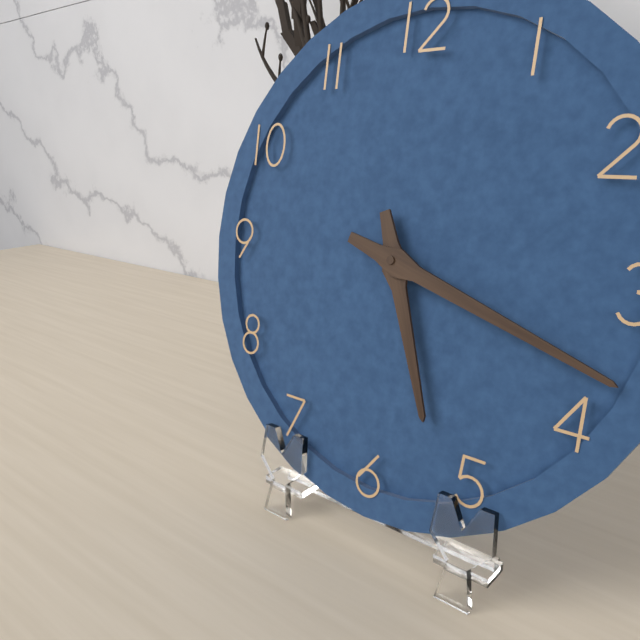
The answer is 5.18
